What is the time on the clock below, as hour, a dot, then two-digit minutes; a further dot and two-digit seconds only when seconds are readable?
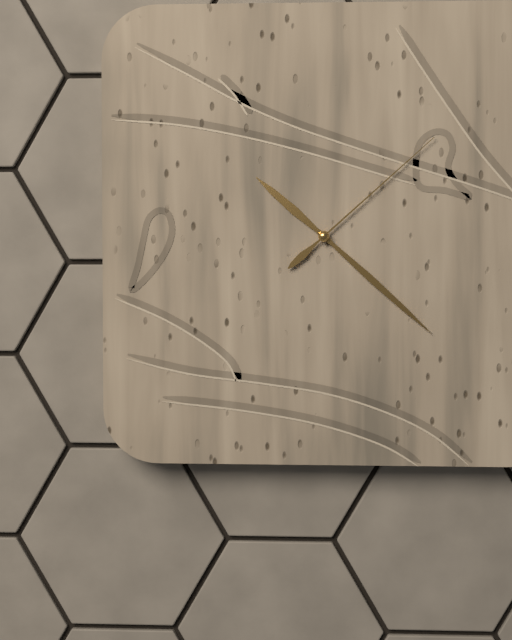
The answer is 10.22.08
